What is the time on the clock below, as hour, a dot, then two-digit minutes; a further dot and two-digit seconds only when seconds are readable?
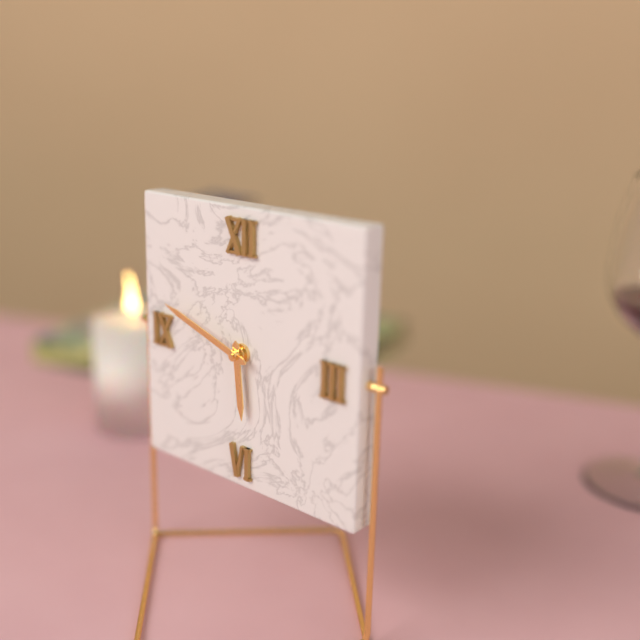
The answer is 5.48
